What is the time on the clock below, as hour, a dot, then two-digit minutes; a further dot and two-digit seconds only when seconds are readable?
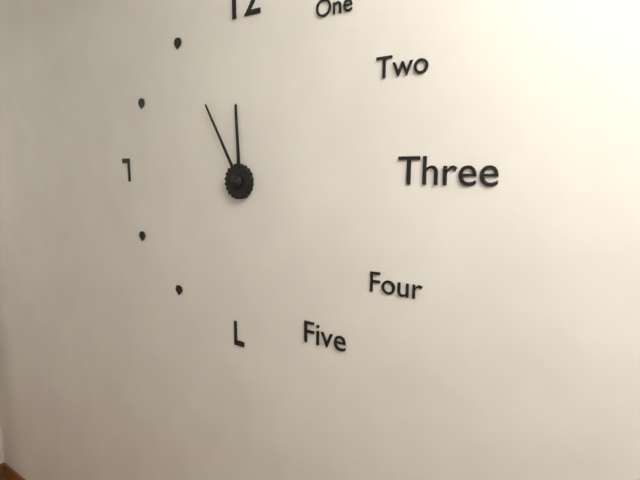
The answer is 11.55
